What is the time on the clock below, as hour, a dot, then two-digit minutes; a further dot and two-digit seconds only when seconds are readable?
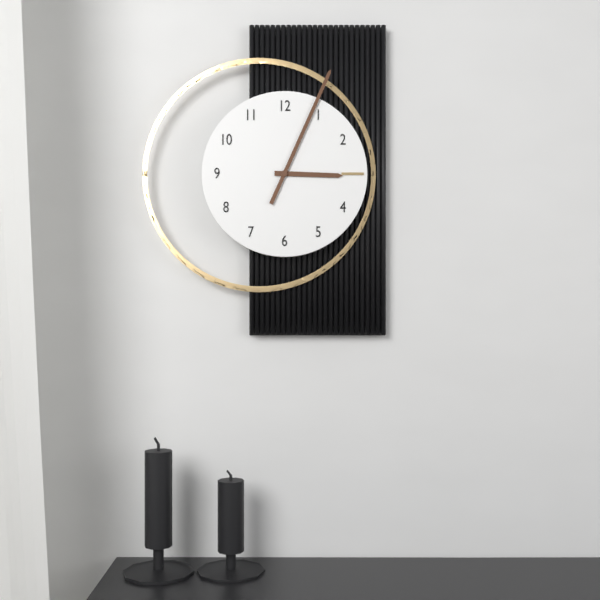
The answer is 3.04
